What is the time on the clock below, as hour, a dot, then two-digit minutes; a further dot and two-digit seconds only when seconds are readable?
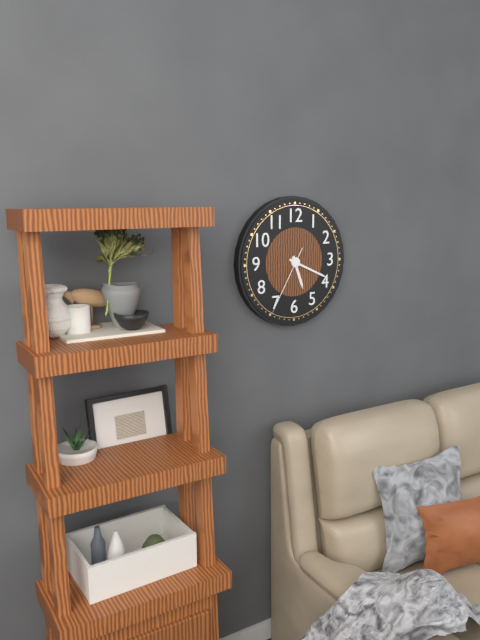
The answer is 5.19.35
